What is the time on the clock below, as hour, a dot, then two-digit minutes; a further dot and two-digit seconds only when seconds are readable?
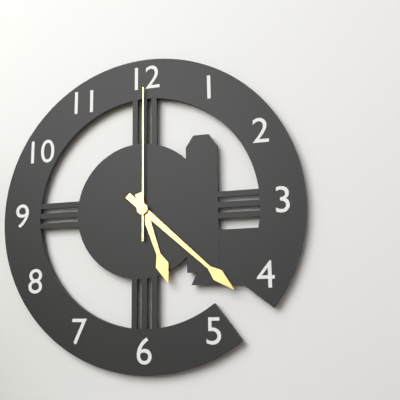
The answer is 5.22.00
